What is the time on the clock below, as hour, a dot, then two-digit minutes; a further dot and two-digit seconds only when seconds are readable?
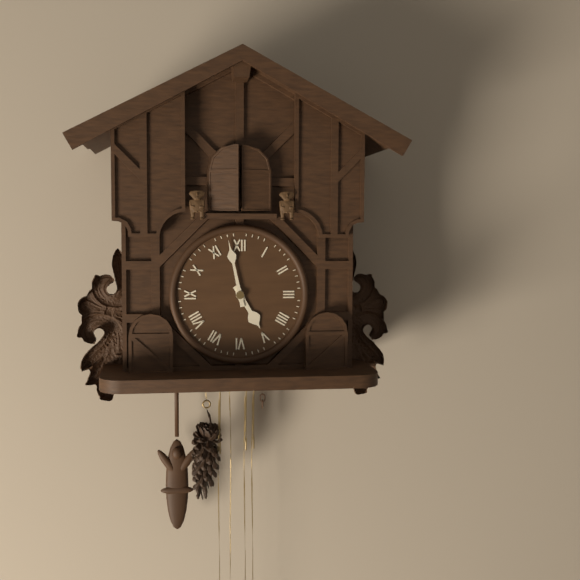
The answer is 4.58
